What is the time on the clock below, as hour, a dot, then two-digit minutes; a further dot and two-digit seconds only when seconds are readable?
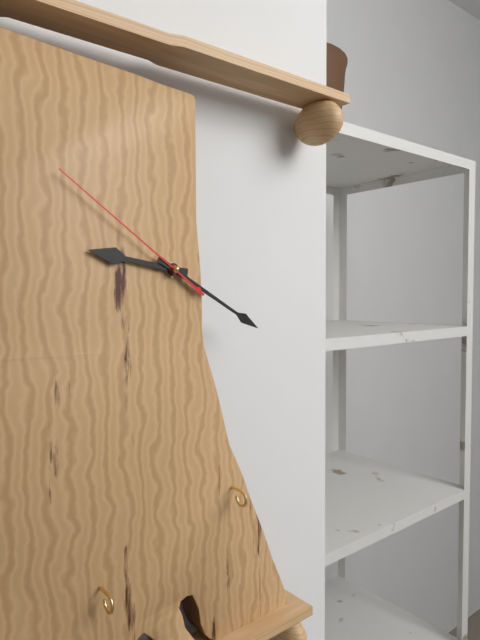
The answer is 9.20.51
